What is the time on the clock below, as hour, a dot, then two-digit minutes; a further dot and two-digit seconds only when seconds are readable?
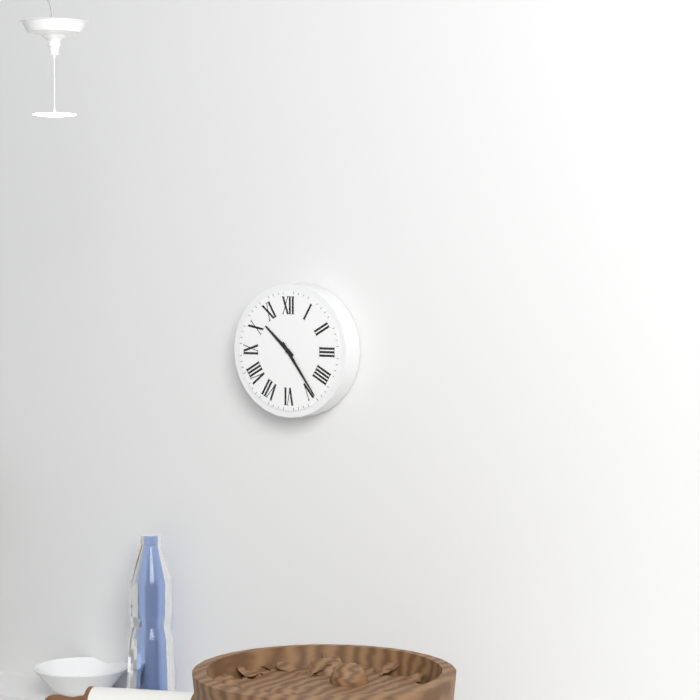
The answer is 10.24
